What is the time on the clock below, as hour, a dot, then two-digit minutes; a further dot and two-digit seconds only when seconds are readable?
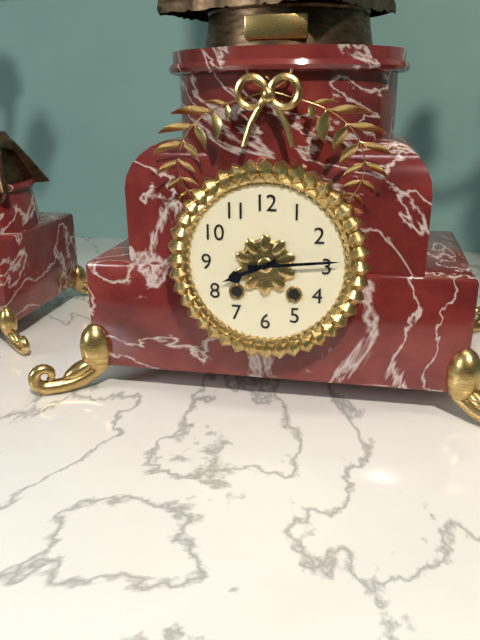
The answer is 8.14
